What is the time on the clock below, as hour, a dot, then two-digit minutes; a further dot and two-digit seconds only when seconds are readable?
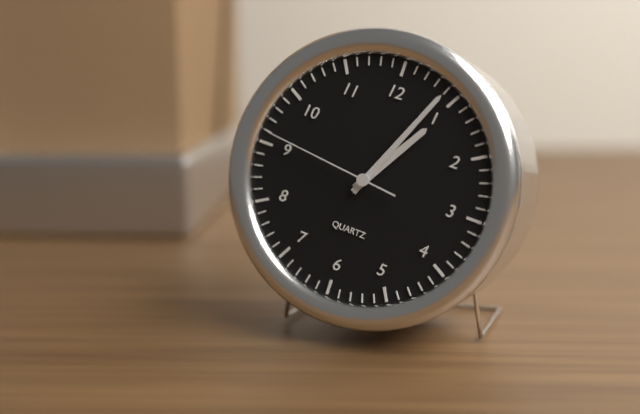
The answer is 1.04.46
